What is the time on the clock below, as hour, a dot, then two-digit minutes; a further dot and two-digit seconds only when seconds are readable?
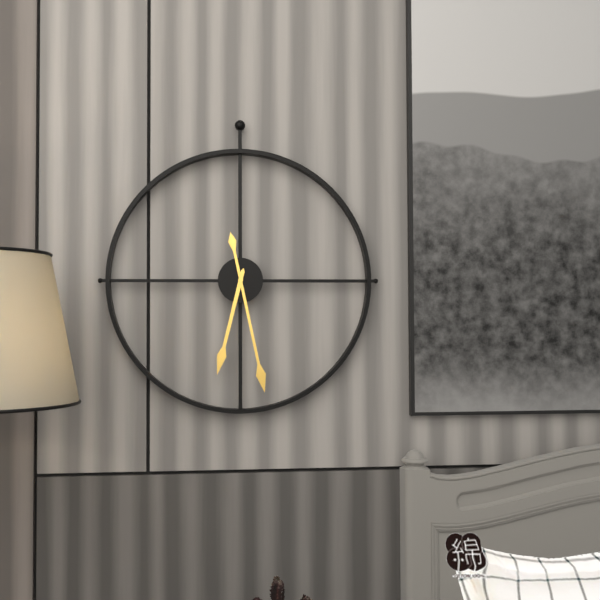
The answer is 6.28
